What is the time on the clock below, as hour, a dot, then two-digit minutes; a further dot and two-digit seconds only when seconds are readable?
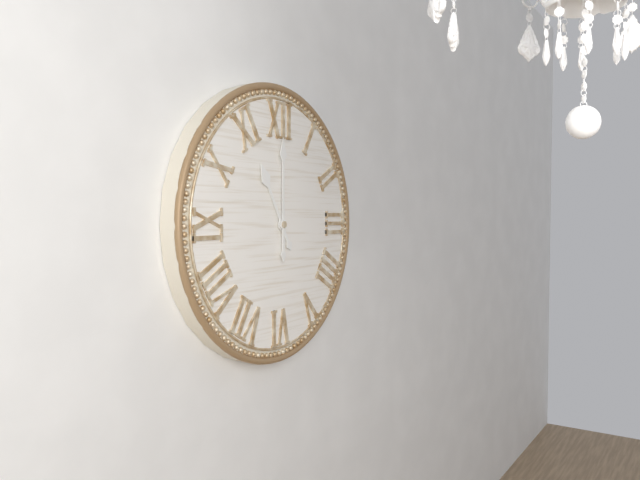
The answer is 11.00
